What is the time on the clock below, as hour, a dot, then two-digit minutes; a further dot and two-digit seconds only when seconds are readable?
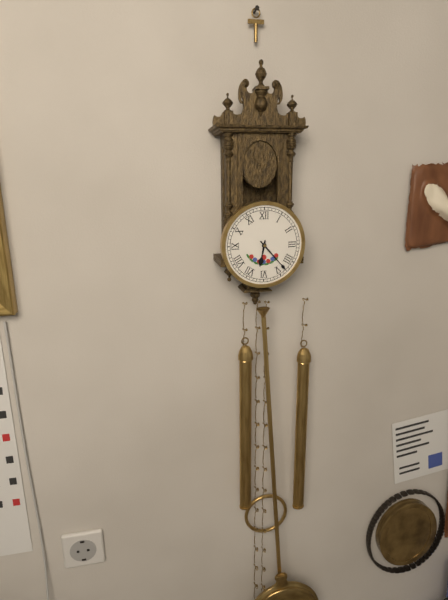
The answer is 6.23
